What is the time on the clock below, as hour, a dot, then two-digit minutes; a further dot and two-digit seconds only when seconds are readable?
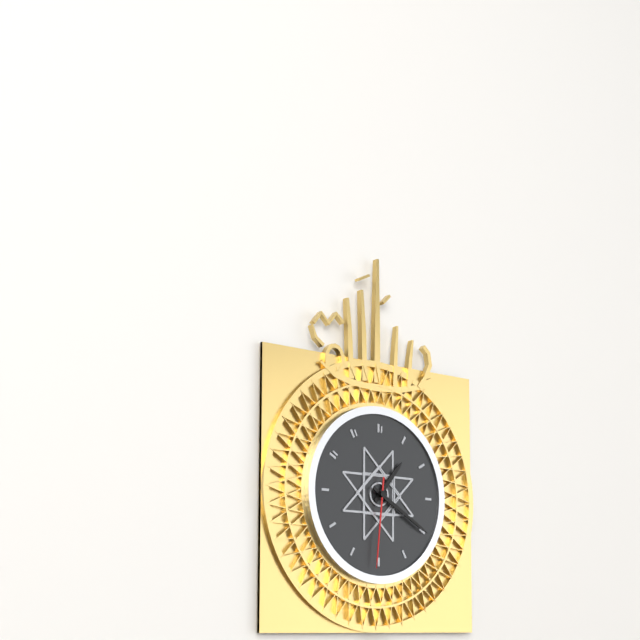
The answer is 1.20.31
